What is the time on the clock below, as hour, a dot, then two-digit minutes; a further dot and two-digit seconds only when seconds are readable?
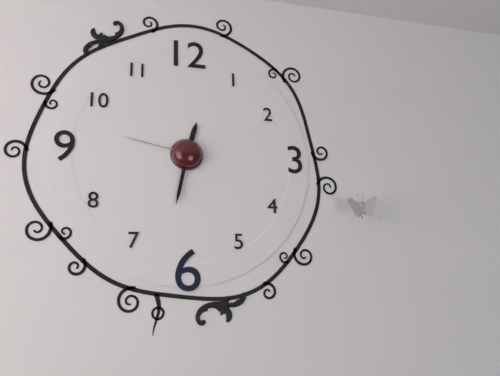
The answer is 12.32.47
